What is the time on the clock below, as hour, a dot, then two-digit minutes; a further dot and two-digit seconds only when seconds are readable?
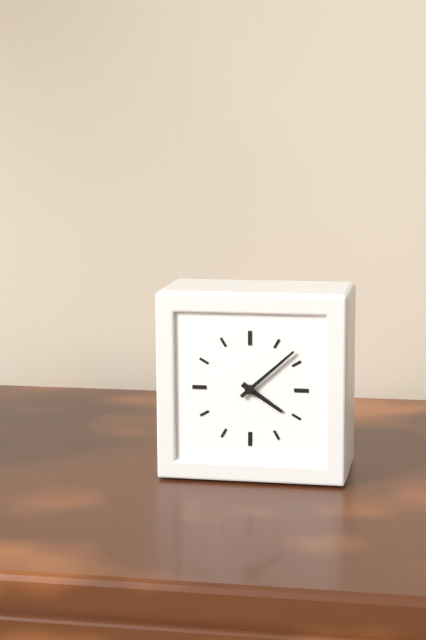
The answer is 4.08
